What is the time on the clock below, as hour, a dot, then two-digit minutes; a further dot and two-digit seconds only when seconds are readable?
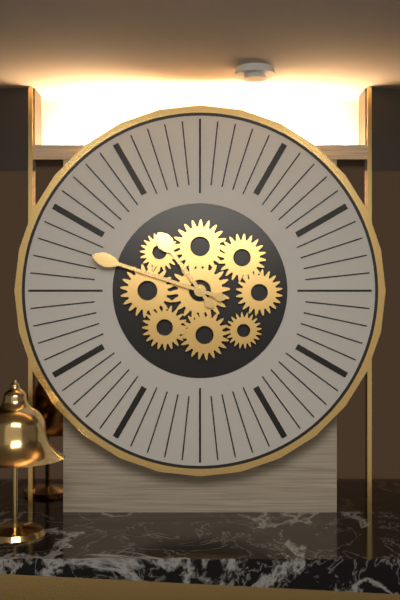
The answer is 10.48
